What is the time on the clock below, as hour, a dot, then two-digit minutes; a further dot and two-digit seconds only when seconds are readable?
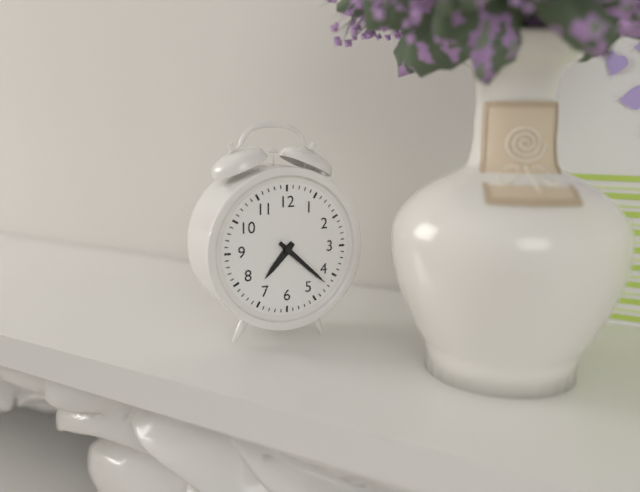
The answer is 7.22
